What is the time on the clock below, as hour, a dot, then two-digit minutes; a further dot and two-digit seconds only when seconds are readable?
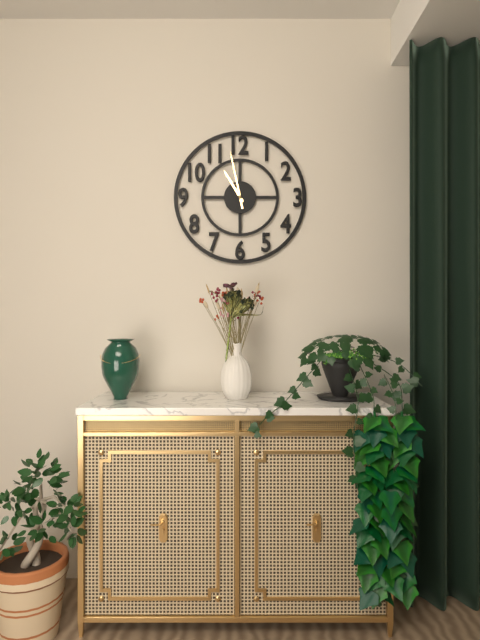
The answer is 10.58
